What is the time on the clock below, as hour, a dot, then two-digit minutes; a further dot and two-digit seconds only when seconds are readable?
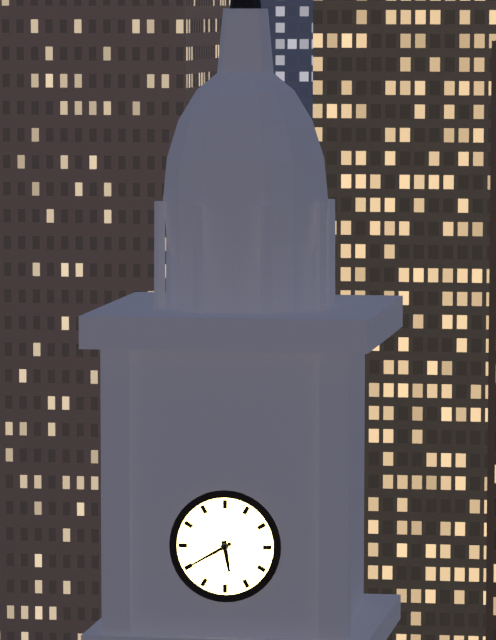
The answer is 5.40
